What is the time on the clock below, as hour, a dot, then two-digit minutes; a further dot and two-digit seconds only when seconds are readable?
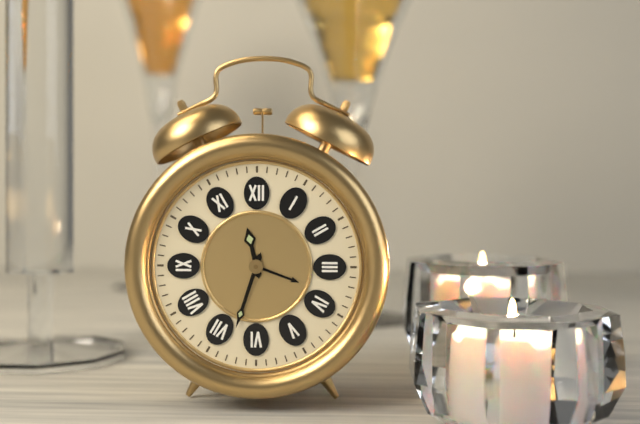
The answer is 11.33
